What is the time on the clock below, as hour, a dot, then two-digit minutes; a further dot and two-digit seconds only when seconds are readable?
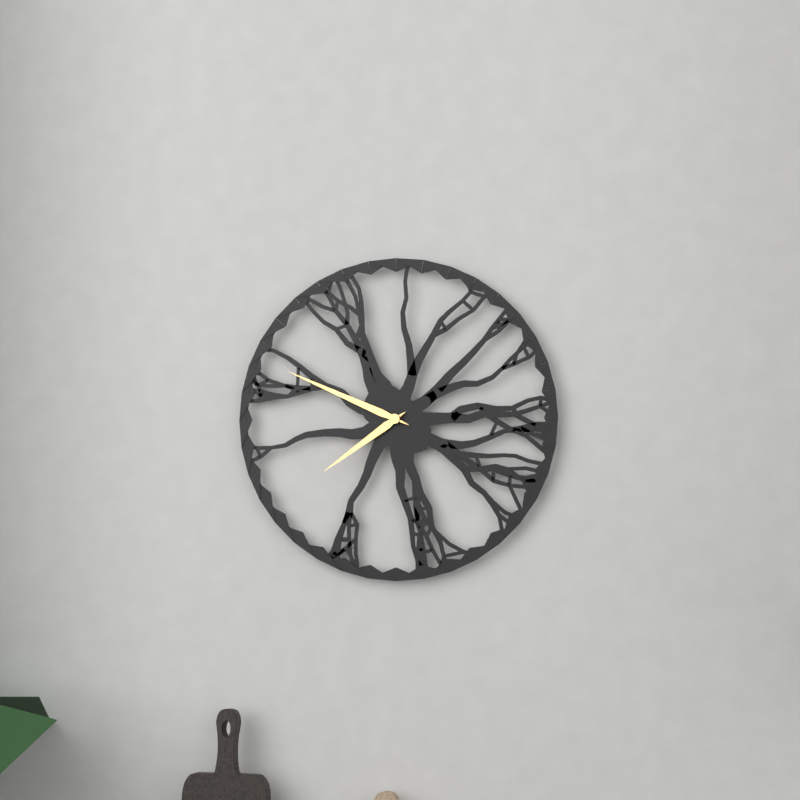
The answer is 7.49
